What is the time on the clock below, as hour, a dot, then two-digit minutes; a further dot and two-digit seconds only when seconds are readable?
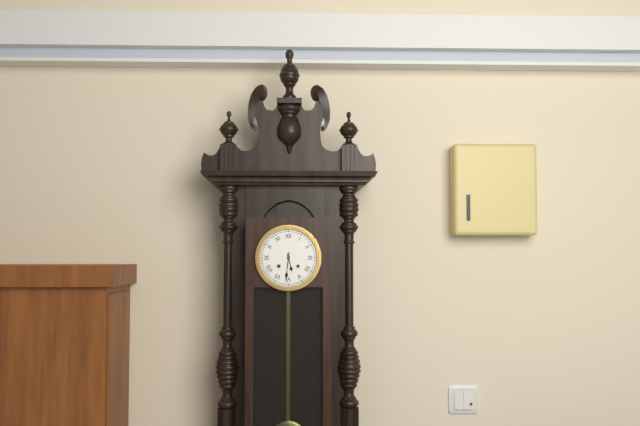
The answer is 5.31
